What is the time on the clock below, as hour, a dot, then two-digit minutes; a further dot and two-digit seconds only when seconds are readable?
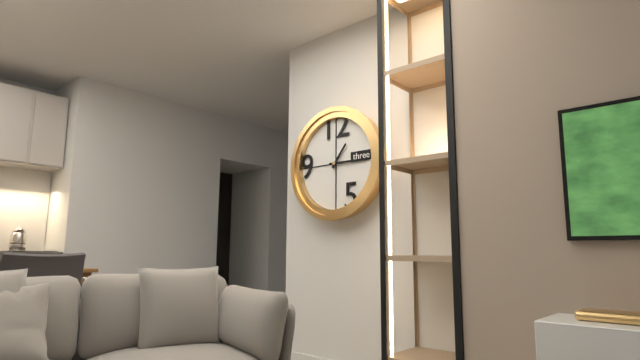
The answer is 1.15
